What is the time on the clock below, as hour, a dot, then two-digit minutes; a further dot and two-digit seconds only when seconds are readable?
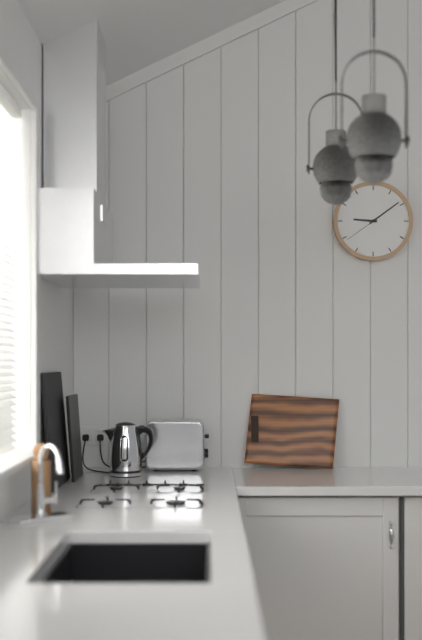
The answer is 9.09
